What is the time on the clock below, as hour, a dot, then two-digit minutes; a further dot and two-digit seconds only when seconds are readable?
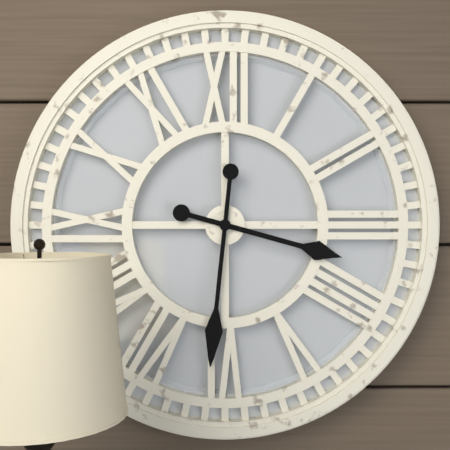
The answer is 3.31
